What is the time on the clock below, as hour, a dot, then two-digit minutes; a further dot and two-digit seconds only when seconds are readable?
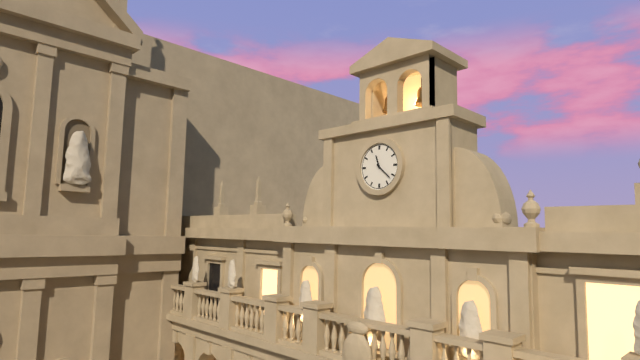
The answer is 11.22
